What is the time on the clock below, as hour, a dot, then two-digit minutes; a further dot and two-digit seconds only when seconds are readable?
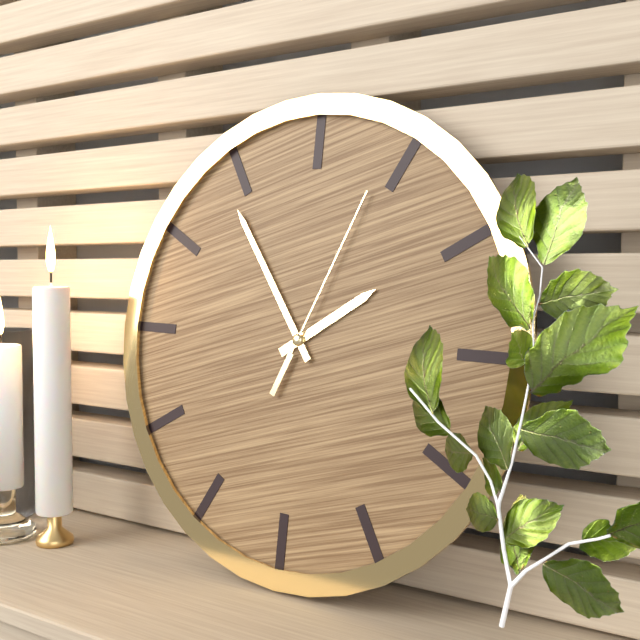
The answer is 1.54.04
